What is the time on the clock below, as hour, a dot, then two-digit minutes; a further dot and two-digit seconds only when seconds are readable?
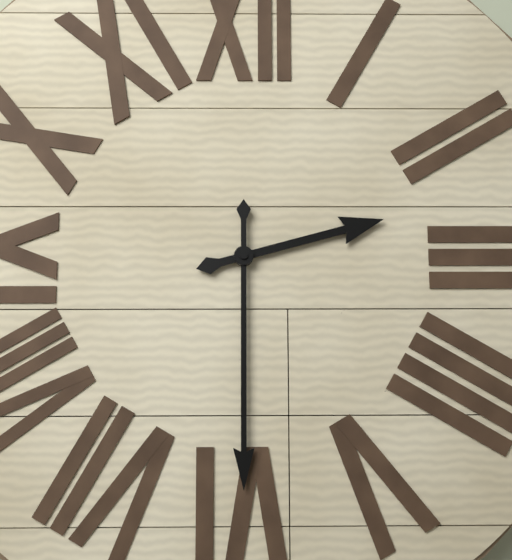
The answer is 2.30
